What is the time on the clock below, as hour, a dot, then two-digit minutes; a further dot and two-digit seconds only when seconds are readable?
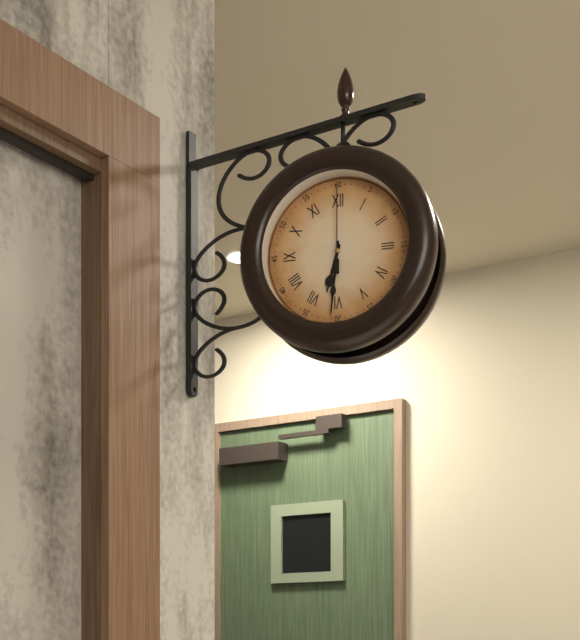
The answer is 6.31.00
